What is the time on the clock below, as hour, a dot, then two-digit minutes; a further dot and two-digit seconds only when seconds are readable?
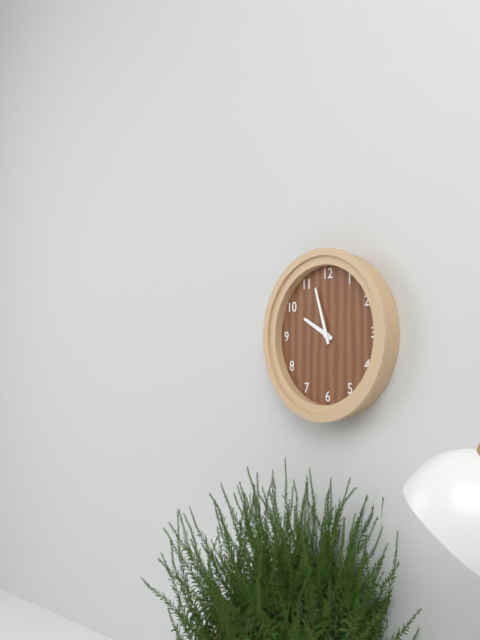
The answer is 9.57
